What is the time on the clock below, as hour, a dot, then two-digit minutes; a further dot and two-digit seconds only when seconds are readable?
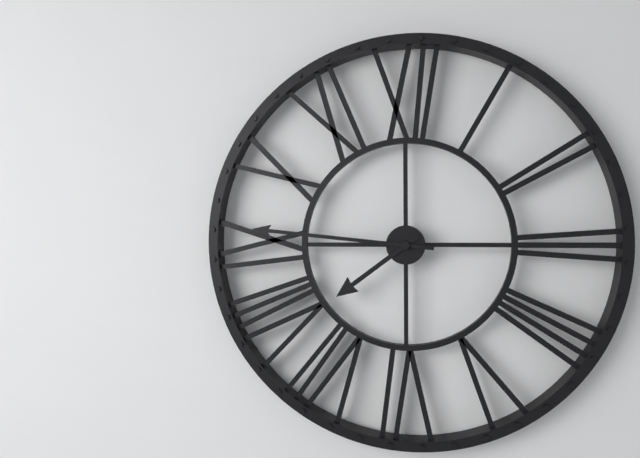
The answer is 7.46
